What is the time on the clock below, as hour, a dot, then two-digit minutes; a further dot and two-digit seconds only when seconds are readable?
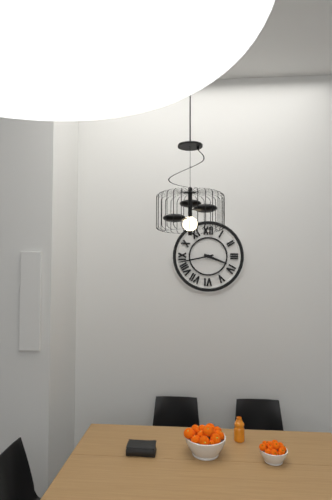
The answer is 3.43
